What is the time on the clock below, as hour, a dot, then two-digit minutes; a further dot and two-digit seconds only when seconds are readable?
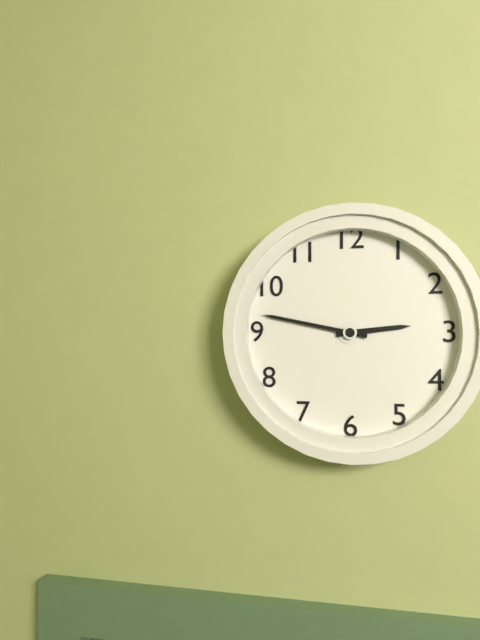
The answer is 2.47
